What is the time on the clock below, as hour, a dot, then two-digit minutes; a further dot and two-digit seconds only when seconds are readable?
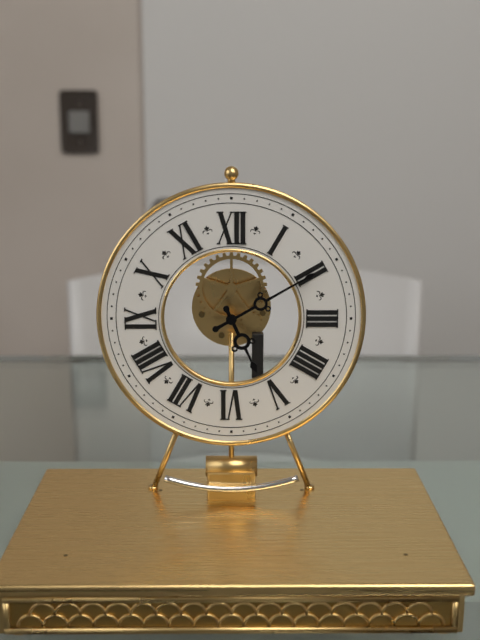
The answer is 5.10
